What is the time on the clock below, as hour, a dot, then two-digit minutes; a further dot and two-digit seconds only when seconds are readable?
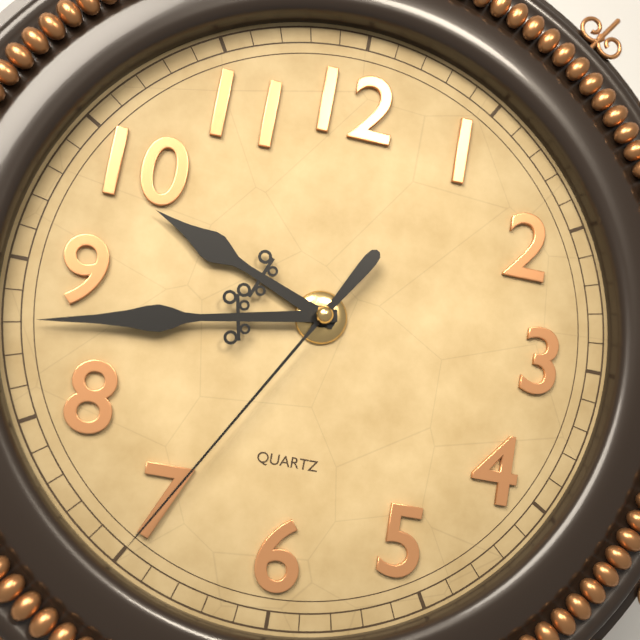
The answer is 9.43.35
